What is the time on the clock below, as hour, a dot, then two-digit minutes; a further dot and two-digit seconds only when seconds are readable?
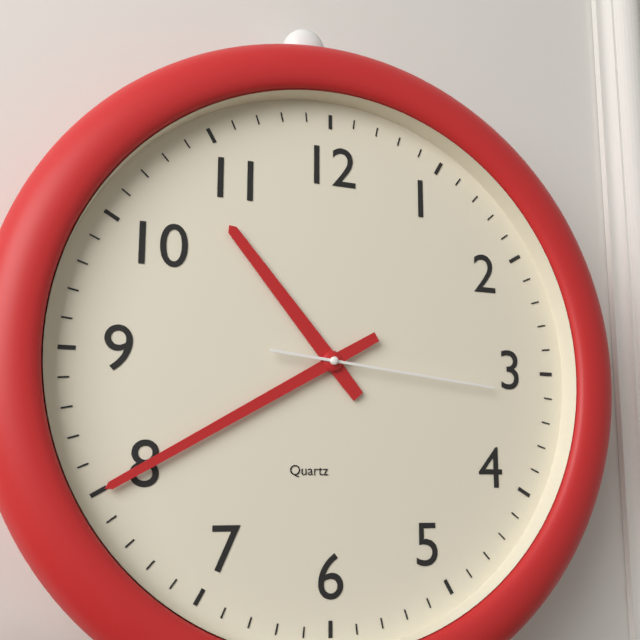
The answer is 10.40.16
